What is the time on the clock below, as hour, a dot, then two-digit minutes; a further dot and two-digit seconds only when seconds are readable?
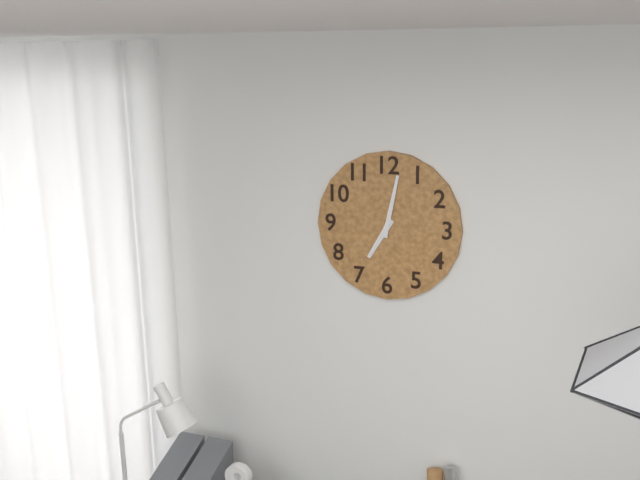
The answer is 7.02
